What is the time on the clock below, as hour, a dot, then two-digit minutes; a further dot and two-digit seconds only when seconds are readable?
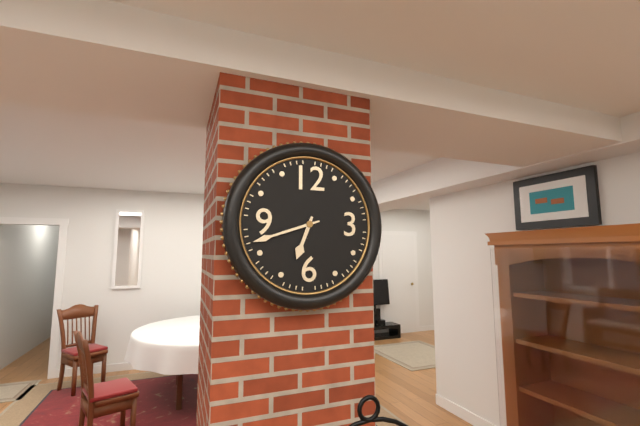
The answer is 6.42
